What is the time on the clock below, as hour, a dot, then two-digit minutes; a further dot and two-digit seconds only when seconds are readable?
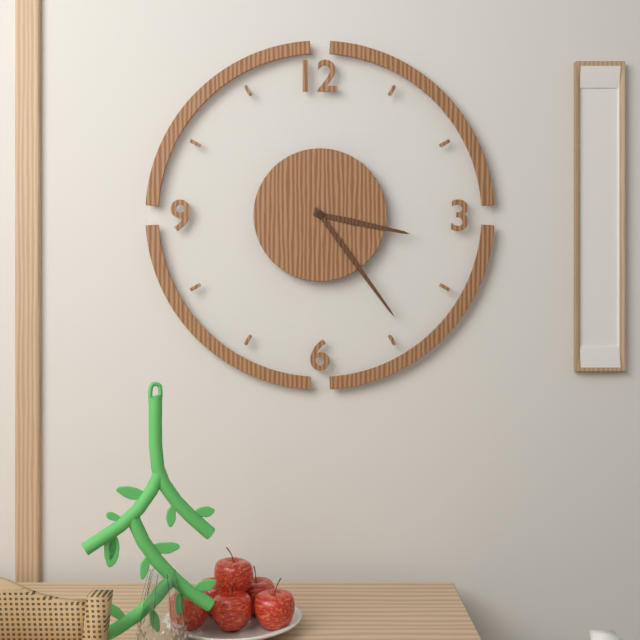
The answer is 3.24
